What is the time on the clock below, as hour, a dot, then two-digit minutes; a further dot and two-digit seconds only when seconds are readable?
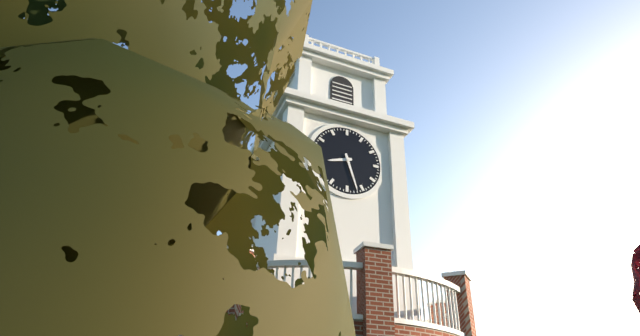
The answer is 8.27
